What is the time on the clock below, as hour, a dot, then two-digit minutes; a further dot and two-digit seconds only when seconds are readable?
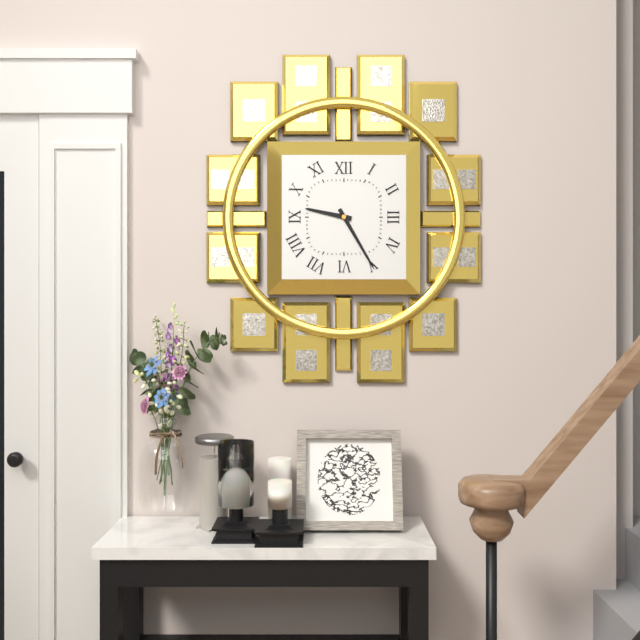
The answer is 9.25
